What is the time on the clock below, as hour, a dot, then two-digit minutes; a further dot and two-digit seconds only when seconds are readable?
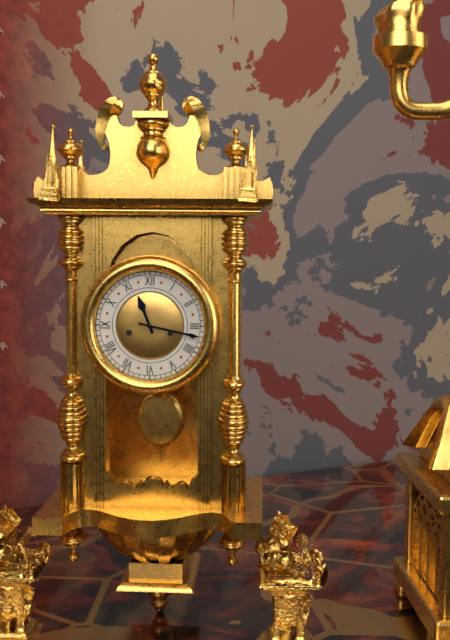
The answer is 11.17
